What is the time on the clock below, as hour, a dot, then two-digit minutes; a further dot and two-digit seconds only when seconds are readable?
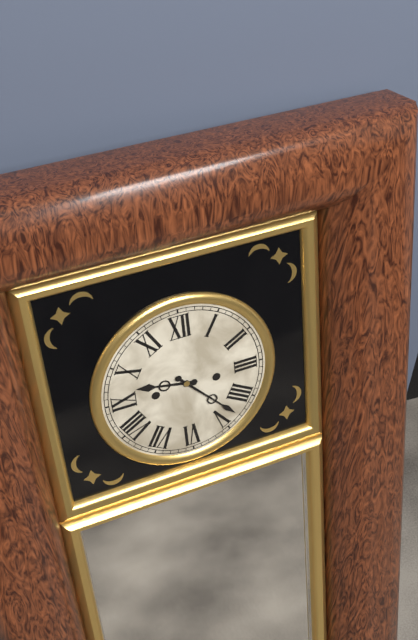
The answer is 9.23
